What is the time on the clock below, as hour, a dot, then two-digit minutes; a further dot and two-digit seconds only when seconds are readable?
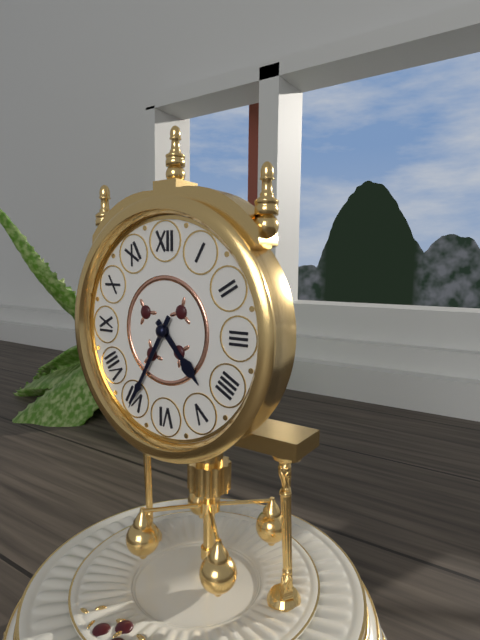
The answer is 4.35
